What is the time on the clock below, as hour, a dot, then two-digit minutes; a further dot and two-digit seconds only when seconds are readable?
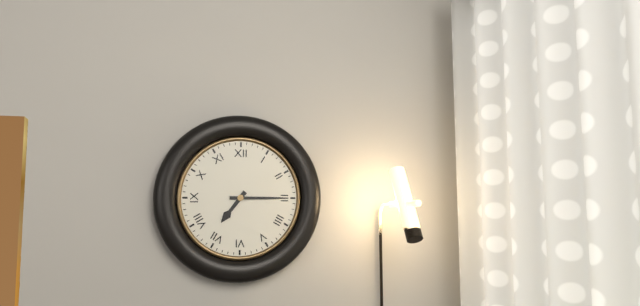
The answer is 7.15
